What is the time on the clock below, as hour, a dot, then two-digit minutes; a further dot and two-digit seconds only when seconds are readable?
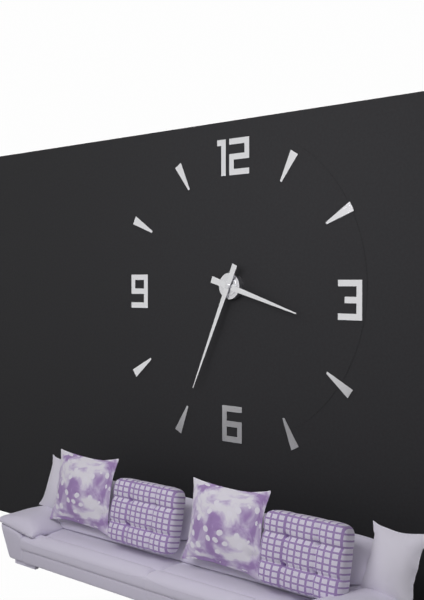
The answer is 3.34
